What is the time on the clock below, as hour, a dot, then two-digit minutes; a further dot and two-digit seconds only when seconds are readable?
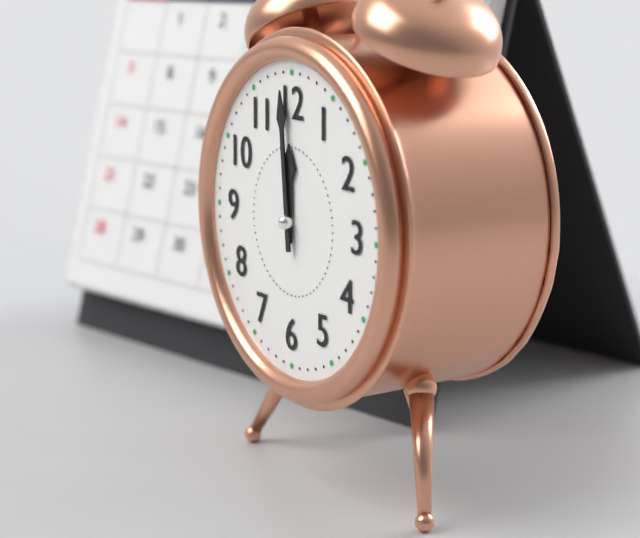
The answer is 11.59
